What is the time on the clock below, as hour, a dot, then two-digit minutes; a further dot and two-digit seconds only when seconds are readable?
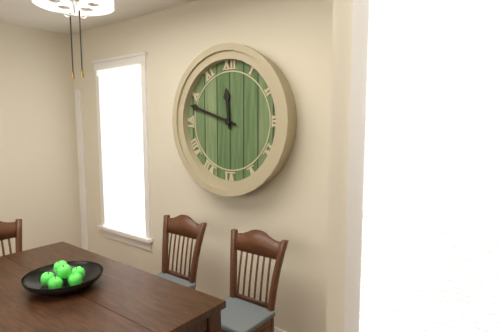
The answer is 11.48
